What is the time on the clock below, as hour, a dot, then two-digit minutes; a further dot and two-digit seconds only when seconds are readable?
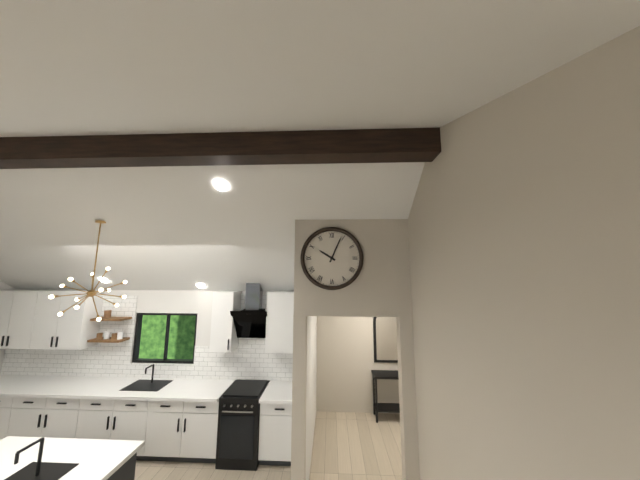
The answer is 10.04
